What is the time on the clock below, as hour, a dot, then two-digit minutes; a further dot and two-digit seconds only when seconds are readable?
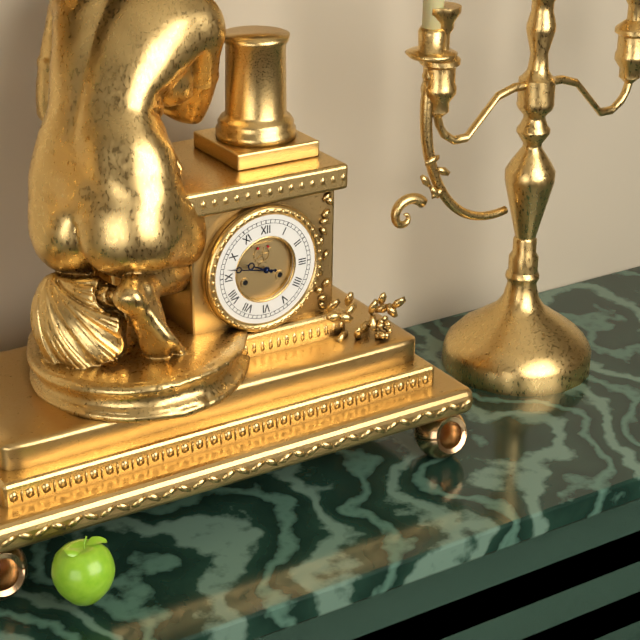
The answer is 9.47
